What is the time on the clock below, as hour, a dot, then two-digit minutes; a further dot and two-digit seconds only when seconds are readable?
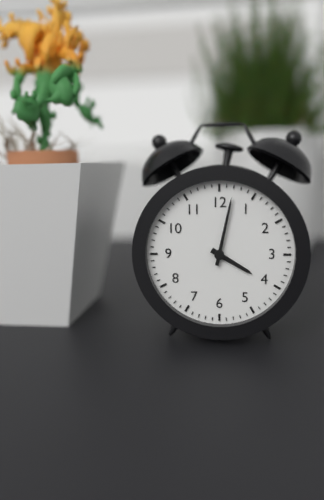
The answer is 4.02
